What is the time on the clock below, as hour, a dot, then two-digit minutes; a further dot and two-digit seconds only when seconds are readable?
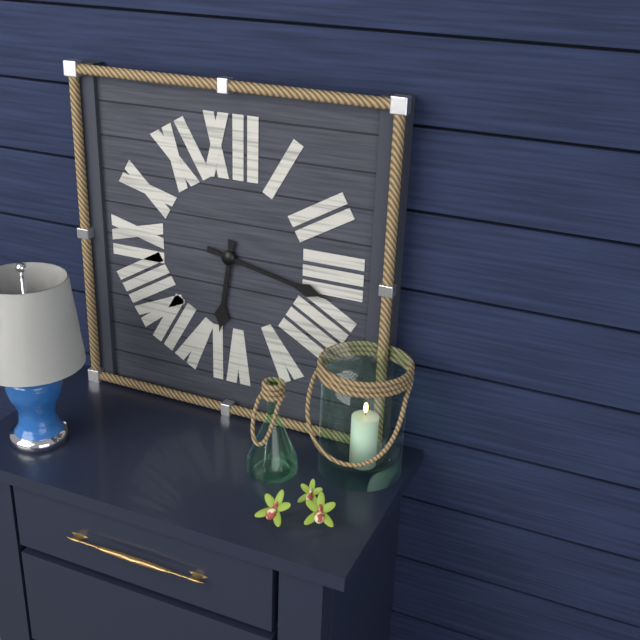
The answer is 6.17
